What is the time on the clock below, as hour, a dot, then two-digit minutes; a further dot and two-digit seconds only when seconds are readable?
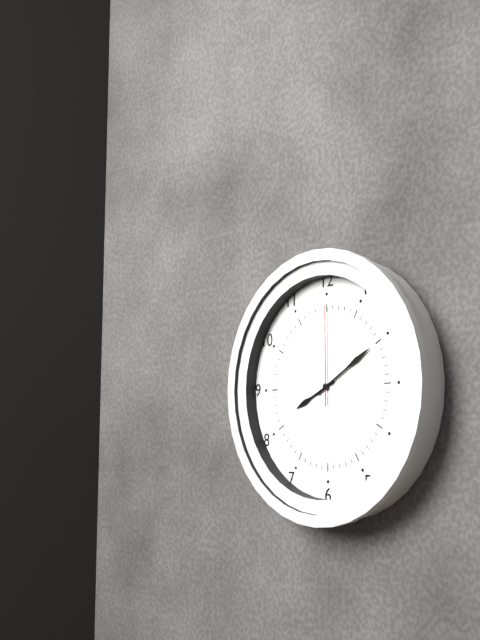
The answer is 8.10.00
